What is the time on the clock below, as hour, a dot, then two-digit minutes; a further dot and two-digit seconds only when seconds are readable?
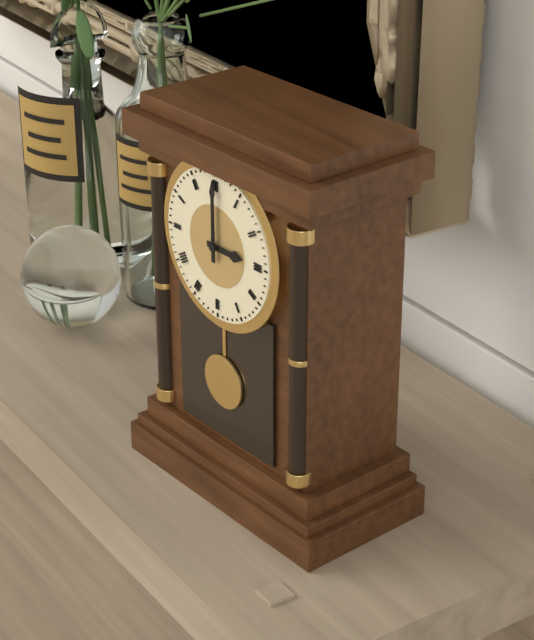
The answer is 3.00
